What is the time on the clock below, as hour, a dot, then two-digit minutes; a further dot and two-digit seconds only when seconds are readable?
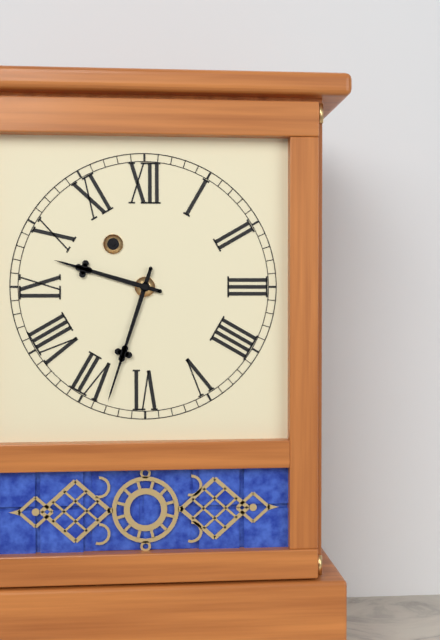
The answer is 9.33
